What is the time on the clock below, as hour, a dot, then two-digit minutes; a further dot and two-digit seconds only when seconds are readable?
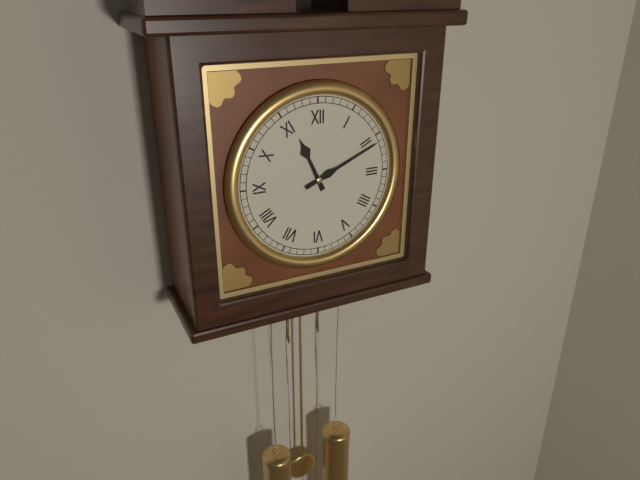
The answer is 11.11
